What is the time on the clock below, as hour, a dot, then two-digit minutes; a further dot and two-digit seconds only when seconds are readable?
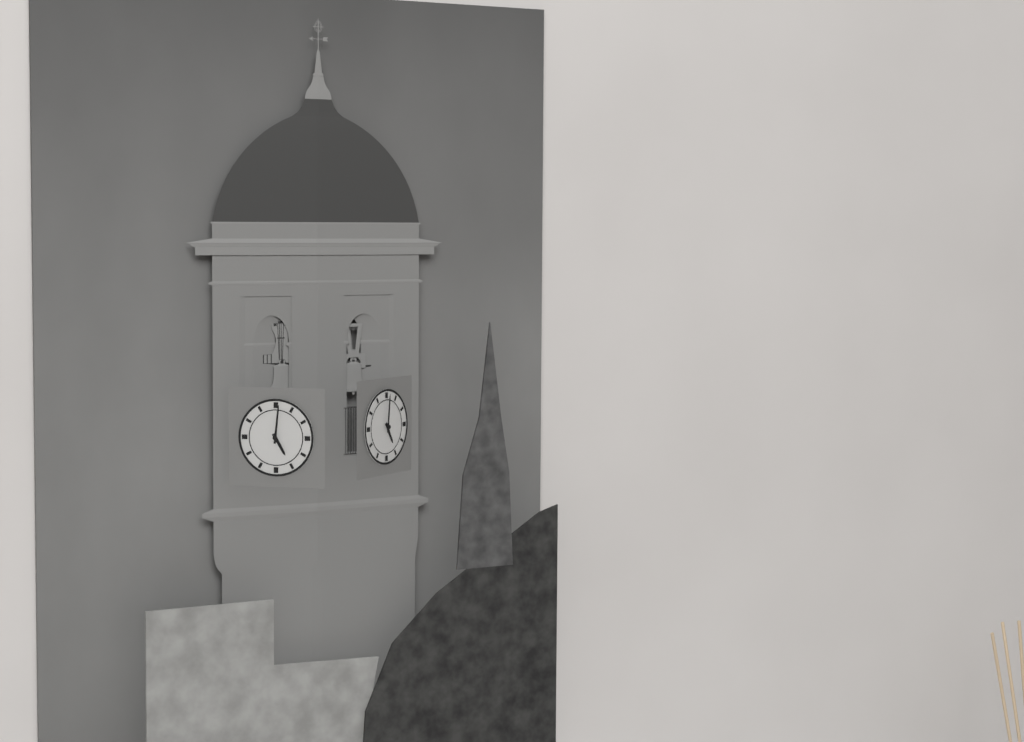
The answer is 5.01
